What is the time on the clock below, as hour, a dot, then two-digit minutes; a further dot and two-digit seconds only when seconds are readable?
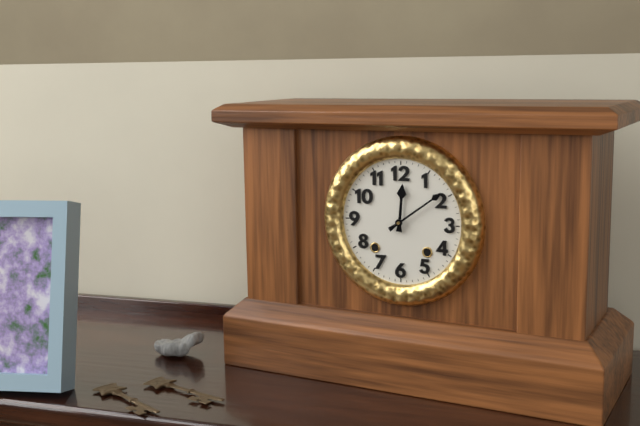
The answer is 12.09
